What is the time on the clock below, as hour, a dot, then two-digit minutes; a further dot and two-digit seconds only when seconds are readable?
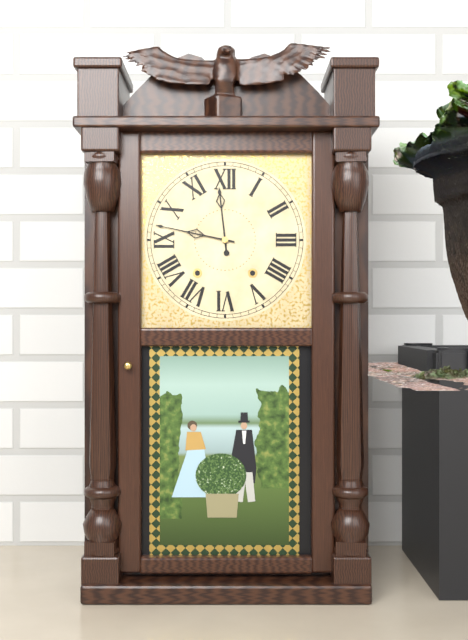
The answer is 11.47
